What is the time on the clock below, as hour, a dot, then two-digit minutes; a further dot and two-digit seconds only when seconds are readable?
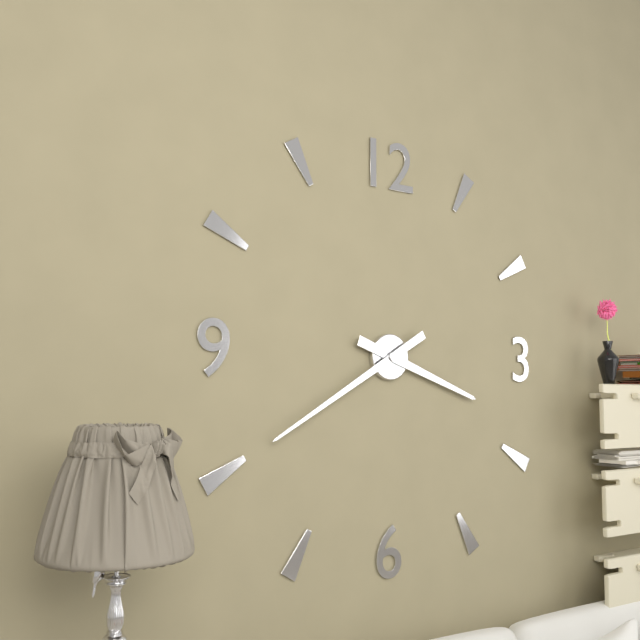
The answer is 3.40
